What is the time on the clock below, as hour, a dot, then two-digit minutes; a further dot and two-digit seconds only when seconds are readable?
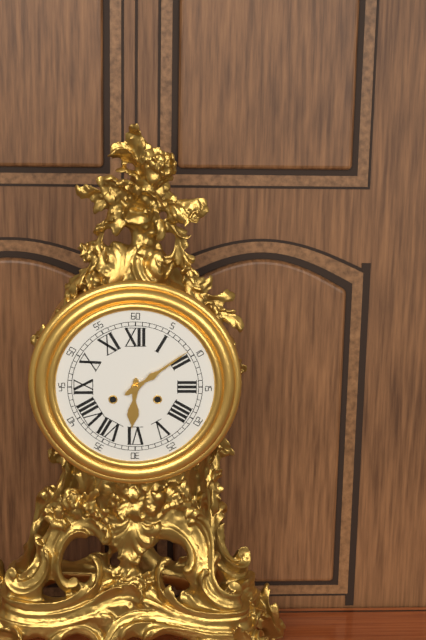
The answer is 6.09
